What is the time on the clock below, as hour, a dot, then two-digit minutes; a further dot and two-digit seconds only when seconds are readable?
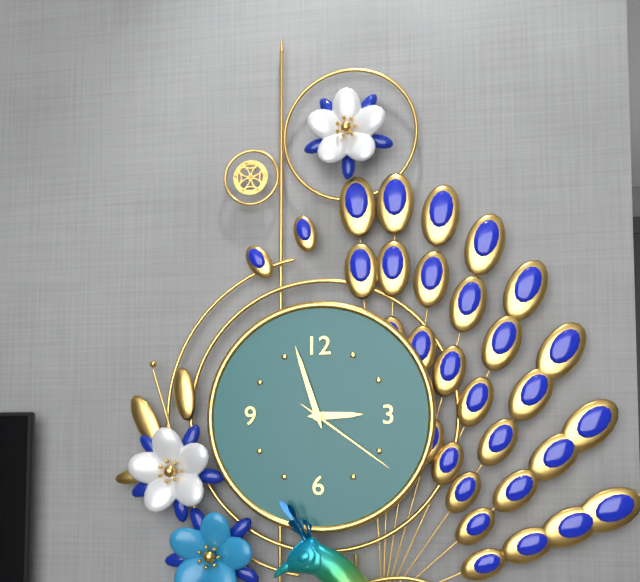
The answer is 2.57.21
